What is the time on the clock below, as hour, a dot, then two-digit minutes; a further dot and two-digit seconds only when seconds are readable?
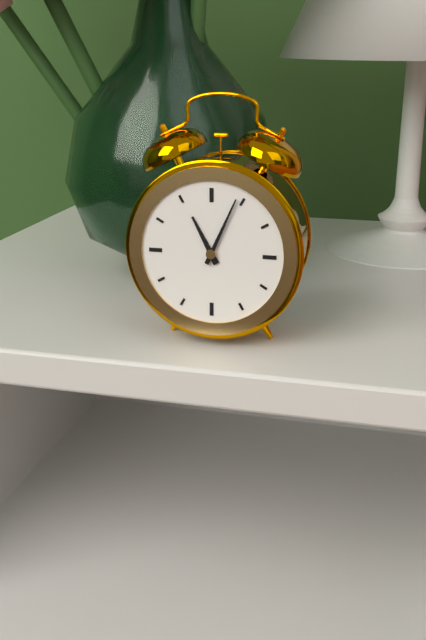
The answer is 11.04
